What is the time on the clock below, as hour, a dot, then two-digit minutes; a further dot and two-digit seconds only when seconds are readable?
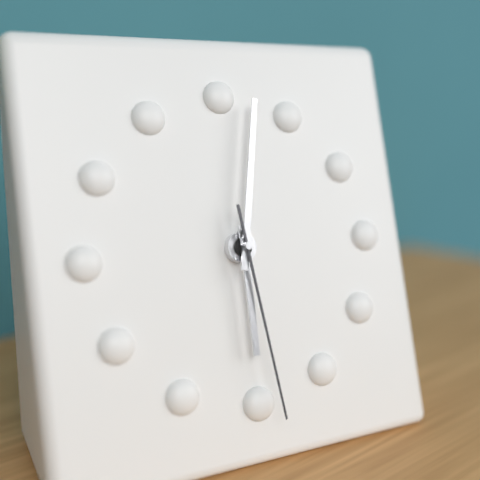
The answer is 6.02.29
